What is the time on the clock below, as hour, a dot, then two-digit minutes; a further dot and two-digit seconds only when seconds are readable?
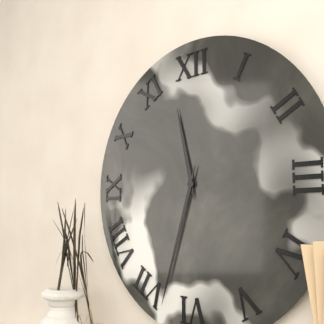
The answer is 11.33
